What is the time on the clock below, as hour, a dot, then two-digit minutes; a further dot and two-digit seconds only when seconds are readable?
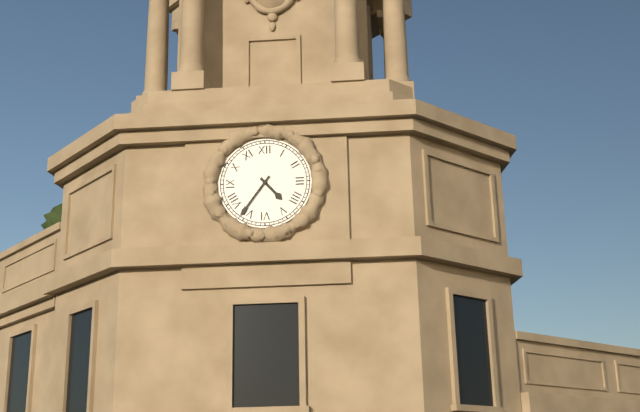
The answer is 4.36
